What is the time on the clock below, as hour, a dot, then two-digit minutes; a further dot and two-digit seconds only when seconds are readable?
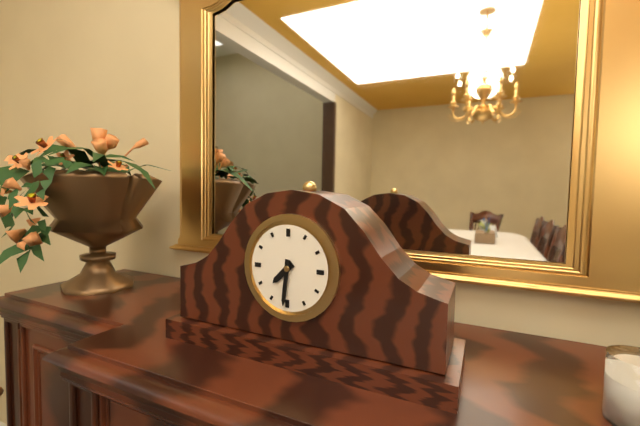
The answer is 7.31
